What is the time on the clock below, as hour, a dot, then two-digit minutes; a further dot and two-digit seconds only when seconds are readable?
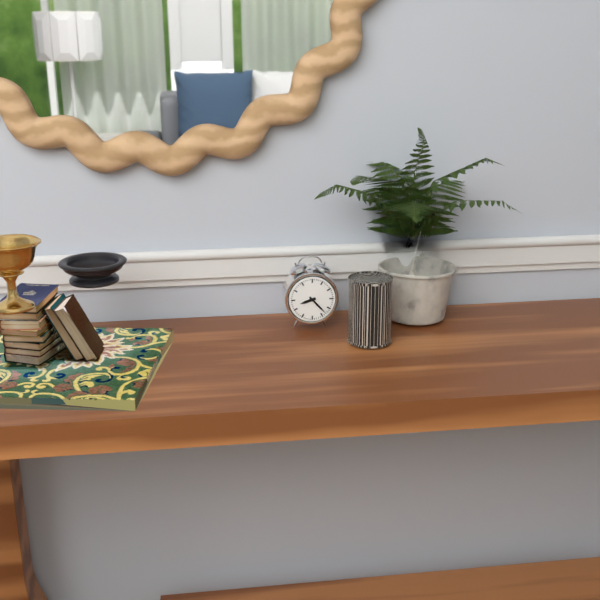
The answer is 8.23
